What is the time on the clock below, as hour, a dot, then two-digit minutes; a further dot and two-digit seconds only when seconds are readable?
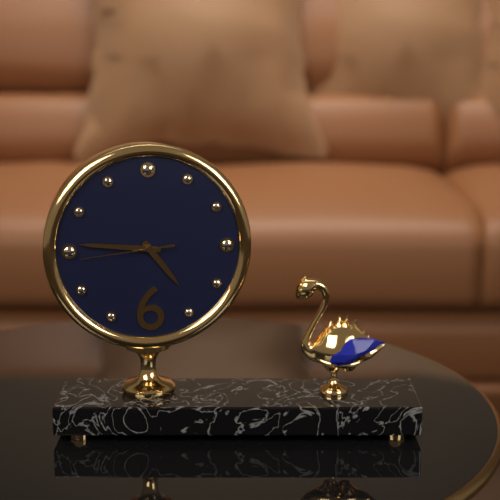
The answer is 4.46.44
